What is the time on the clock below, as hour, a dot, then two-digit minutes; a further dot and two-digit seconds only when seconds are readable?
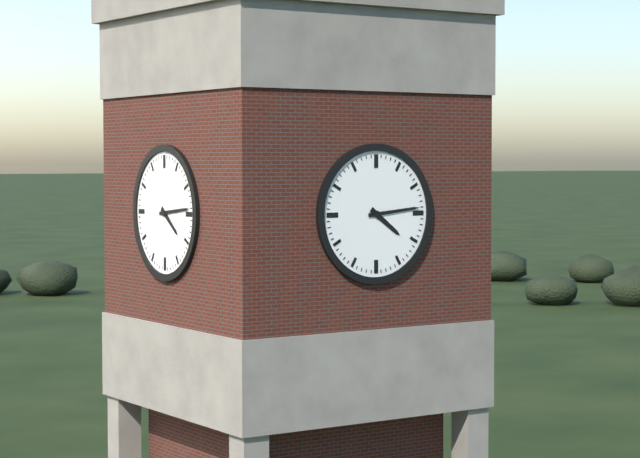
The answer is 4.14
